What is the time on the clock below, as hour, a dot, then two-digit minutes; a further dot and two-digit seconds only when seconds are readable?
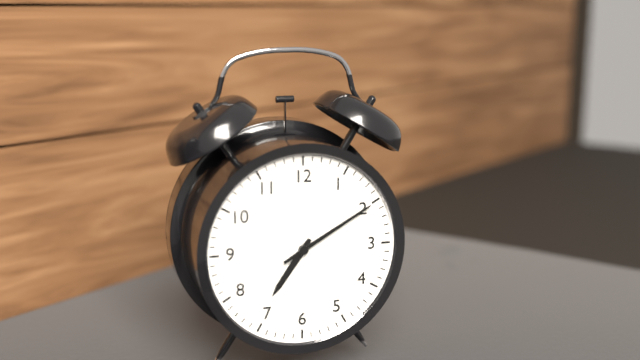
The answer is 7.10
